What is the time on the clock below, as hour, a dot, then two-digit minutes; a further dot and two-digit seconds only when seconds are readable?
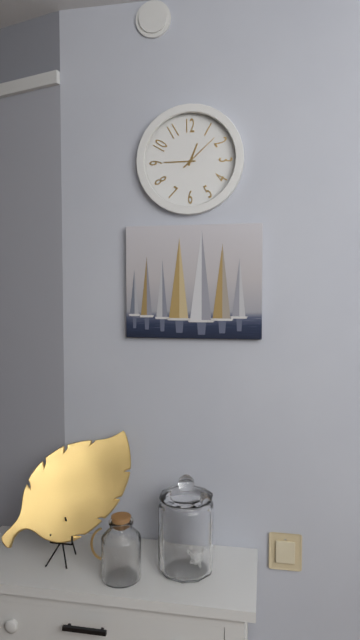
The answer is 12.45
